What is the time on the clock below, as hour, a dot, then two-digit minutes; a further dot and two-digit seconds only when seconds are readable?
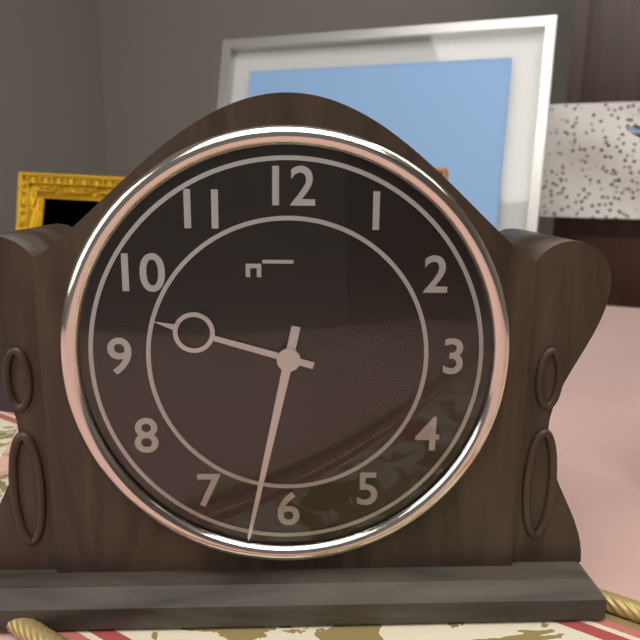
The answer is 9.32
